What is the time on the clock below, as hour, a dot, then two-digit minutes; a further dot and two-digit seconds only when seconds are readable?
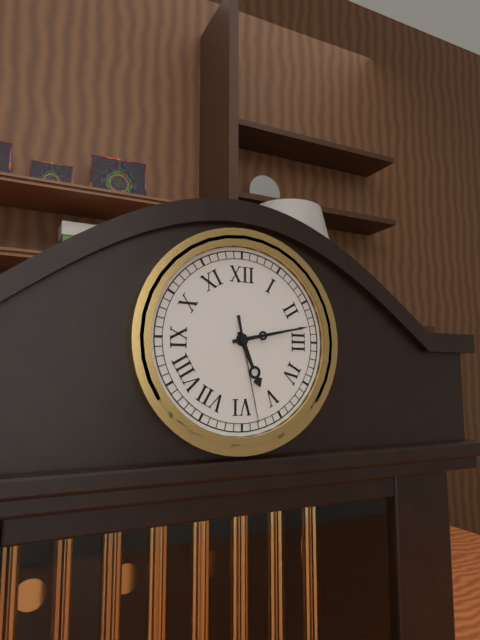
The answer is 5.13.28
